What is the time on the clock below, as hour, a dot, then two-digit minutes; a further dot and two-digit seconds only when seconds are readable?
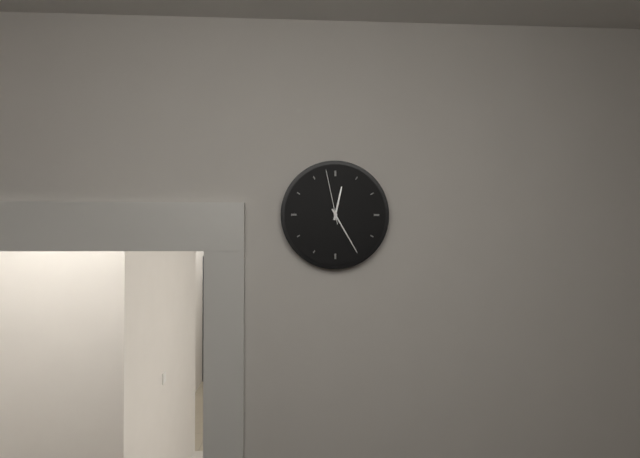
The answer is 12.25.58
